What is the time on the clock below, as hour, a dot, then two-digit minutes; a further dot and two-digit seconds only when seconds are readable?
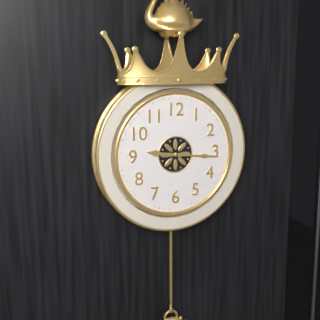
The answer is 9.16
